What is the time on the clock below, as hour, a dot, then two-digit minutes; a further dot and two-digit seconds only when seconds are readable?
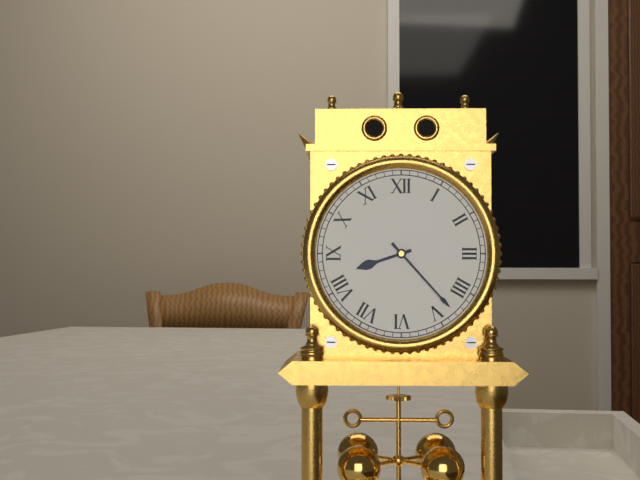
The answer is 8.23
